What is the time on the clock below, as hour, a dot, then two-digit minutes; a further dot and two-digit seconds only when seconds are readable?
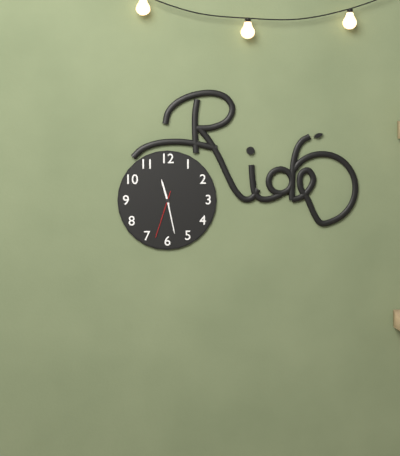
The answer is 11.28
